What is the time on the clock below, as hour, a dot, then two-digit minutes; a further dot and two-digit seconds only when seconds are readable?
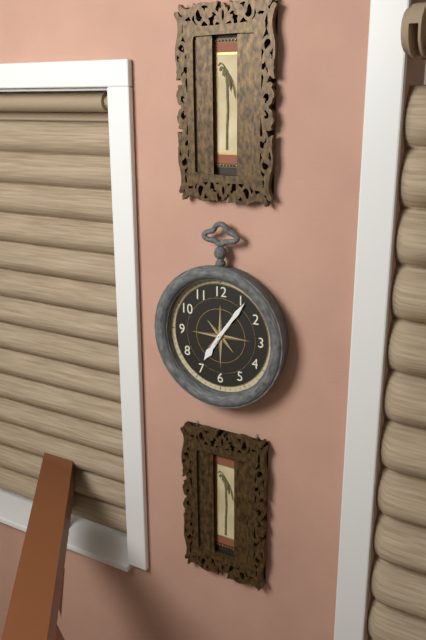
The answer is 7.06
